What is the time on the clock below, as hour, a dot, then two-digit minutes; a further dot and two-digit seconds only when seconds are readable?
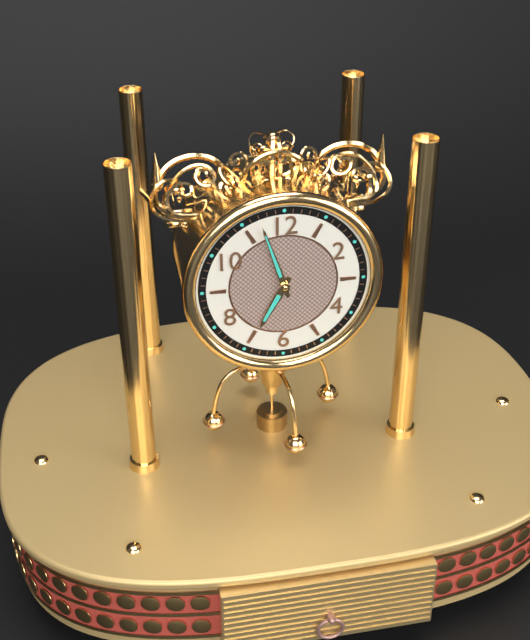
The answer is 6.57
